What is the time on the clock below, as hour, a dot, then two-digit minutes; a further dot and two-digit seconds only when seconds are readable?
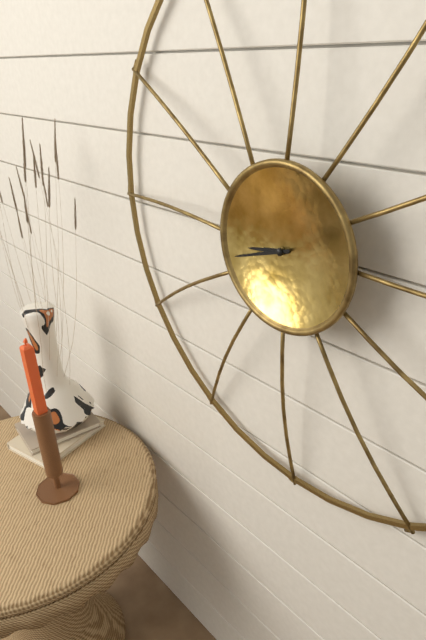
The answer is 8.42
